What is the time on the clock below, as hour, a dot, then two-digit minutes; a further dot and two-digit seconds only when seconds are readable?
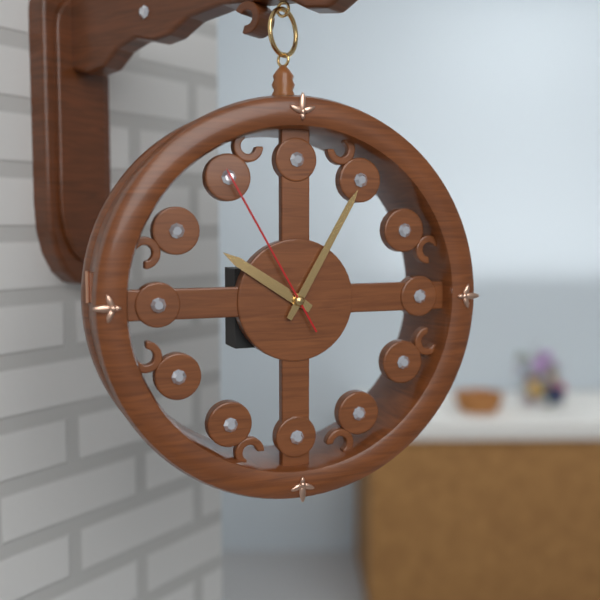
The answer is 10.05.55
